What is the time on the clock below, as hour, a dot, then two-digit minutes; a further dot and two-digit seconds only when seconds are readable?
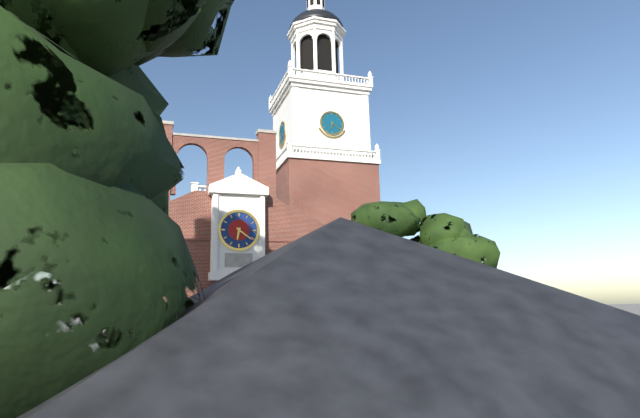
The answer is 6.21
